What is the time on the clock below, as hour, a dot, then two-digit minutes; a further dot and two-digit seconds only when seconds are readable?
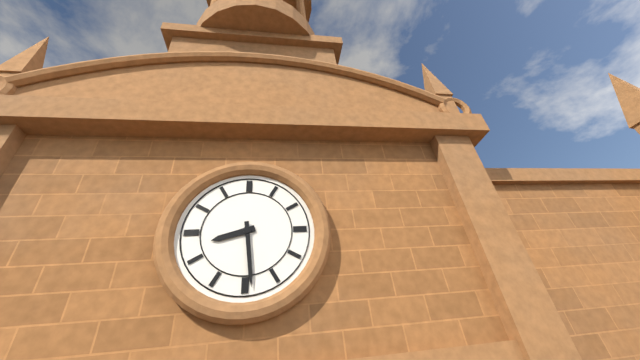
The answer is 8.29
